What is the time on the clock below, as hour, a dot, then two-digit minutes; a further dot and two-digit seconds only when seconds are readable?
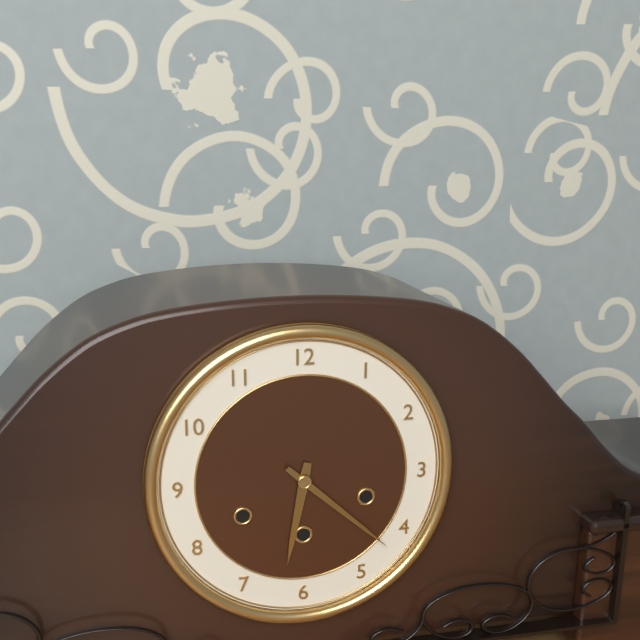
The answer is 6.22
